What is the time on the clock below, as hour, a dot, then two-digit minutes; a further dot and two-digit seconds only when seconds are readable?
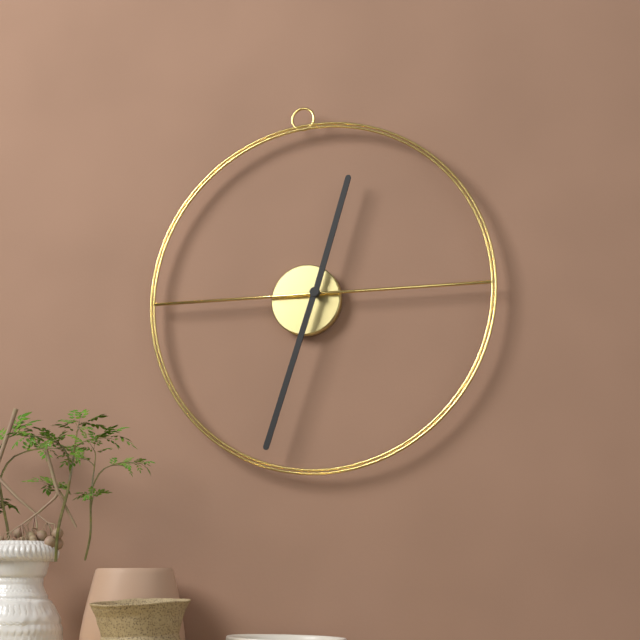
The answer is 12.33
